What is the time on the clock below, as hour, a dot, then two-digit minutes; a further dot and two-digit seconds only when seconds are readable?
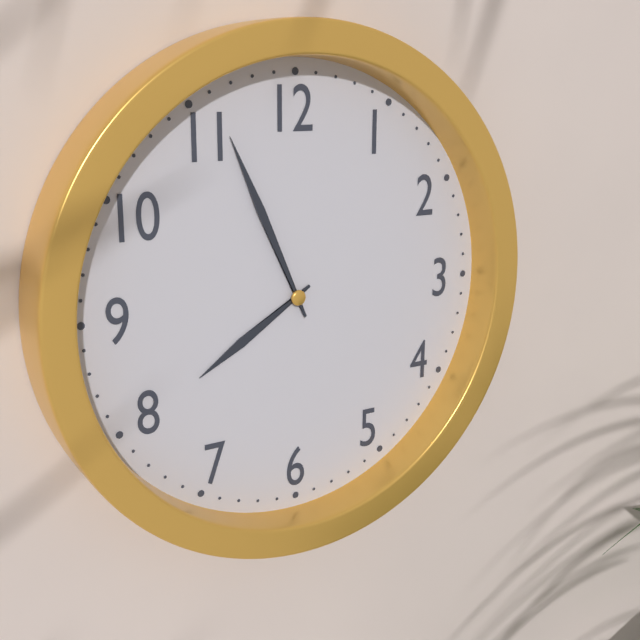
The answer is 7.56
